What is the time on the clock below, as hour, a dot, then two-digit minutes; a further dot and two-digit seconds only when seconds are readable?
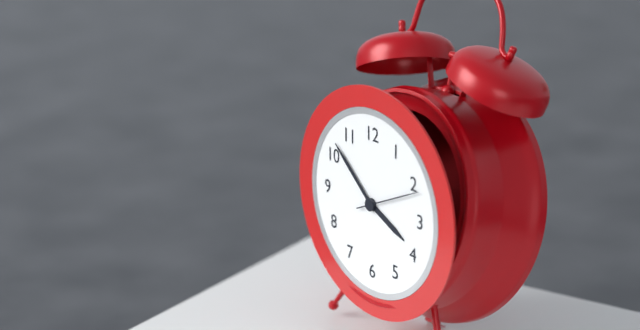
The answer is 3.52.11
